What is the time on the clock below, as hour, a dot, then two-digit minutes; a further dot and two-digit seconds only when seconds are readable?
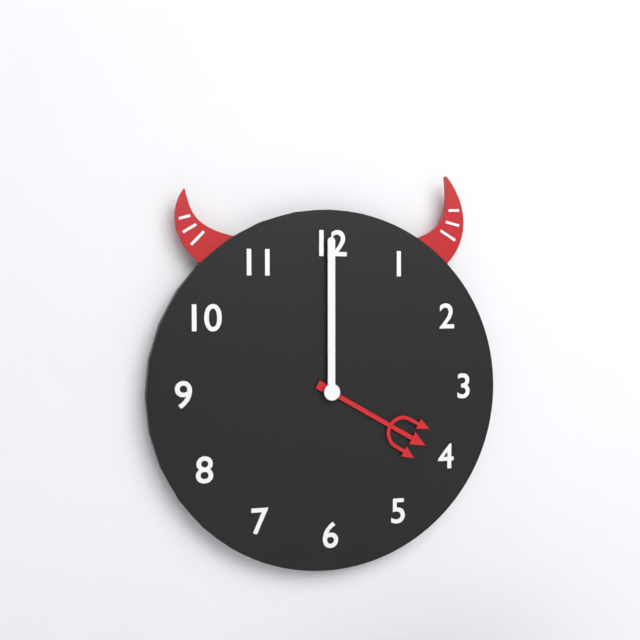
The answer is 4.00
